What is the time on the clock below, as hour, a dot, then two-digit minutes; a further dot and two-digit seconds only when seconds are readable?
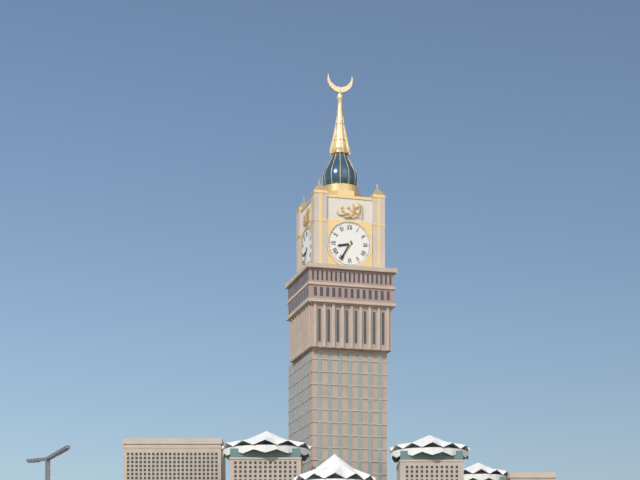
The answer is 8.35
